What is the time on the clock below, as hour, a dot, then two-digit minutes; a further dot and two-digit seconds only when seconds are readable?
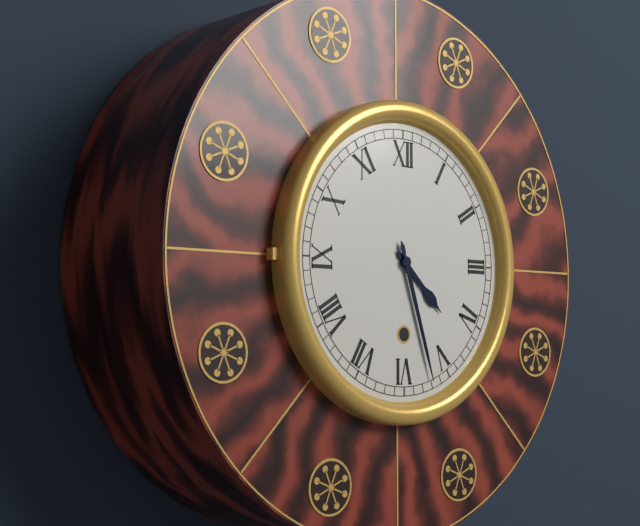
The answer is 4.27
